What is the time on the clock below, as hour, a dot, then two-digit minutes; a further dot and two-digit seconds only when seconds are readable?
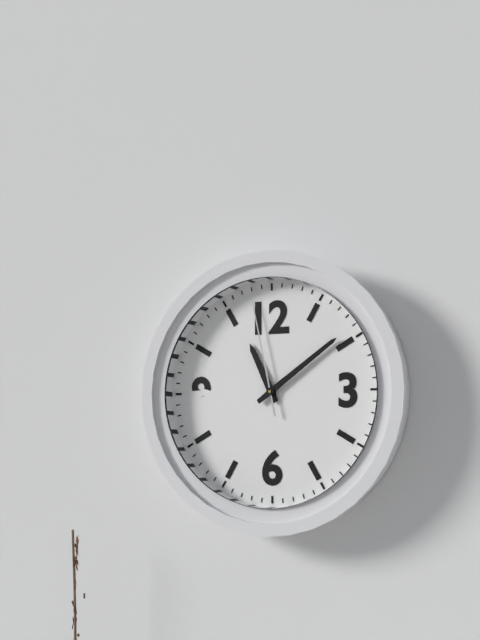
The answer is 11.09.58
